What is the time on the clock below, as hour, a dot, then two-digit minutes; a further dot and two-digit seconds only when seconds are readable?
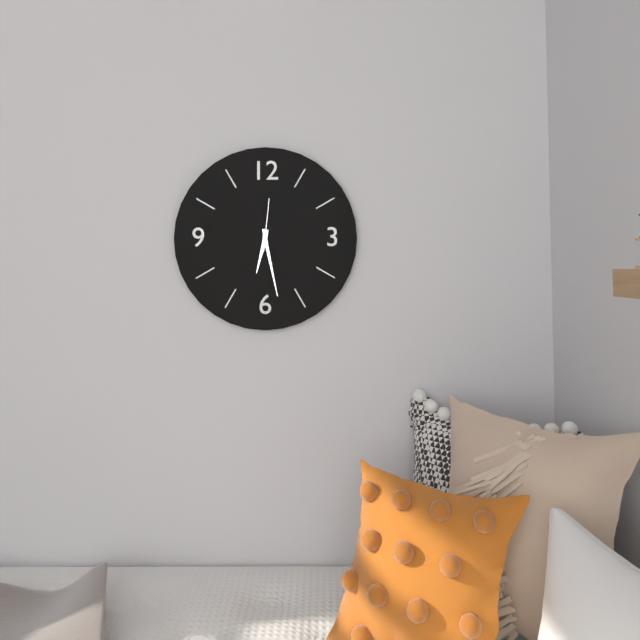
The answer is 6.28
